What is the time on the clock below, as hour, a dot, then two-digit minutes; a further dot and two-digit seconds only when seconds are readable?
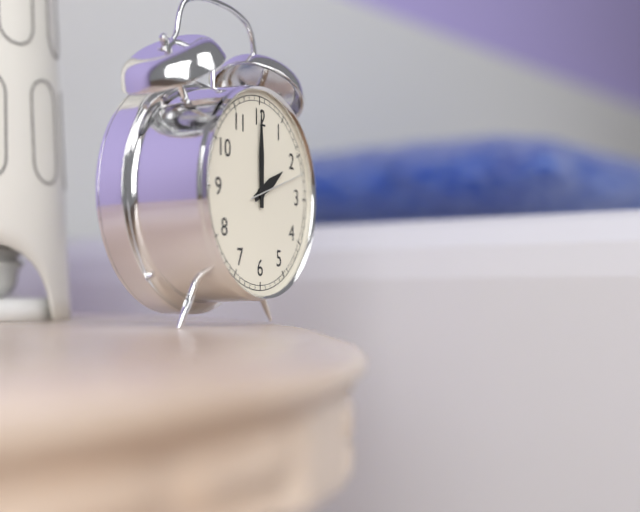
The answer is 2.00.12
